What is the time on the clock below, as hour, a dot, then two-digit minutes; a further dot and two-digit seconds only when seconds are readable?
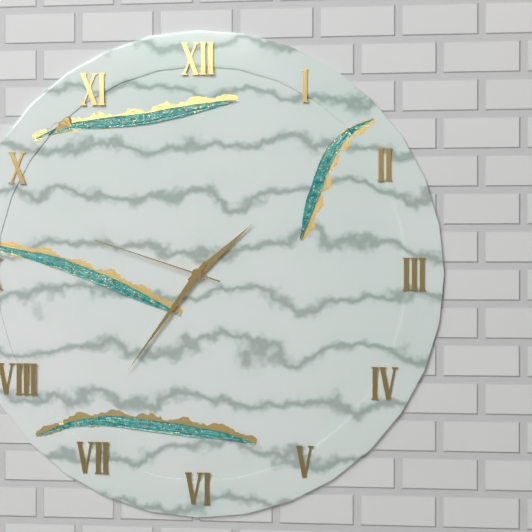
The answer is 1.36.48
